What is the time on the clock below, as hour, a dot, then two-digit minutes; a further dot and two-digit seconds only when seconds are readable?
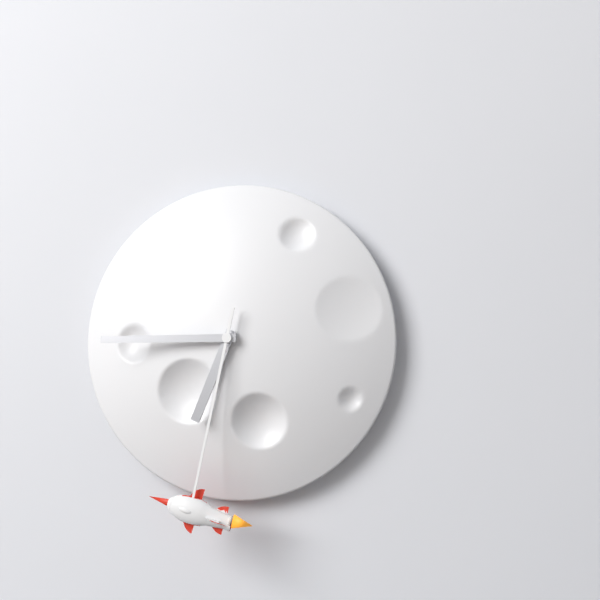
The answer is 6.45.32
